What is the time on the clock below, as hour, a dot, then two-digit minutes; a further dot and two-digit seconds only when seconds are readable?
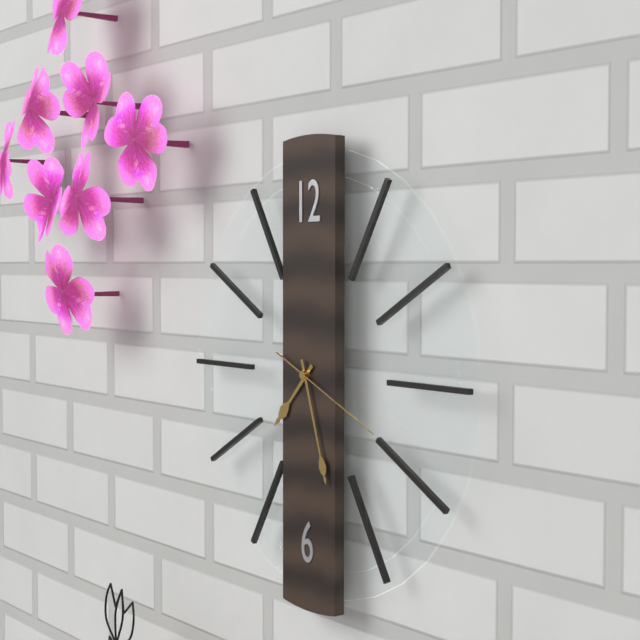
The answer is 7.27.19
